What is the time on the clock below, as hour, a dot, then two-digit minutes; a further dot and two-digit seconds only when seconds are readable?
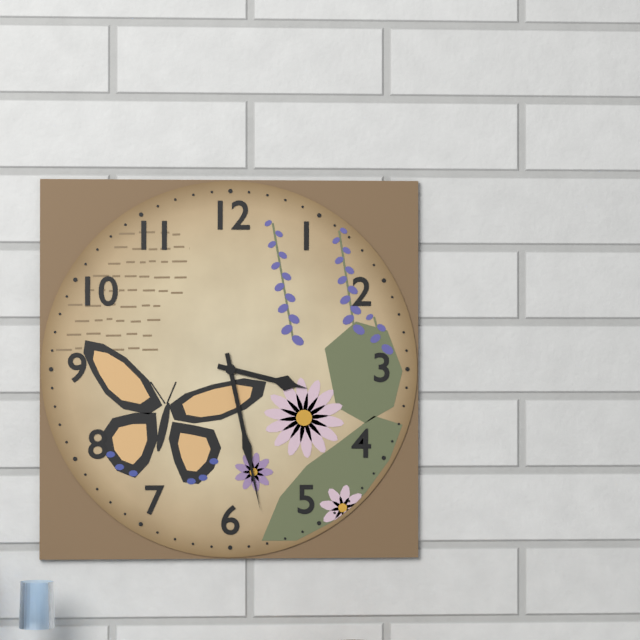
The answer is 3.28
